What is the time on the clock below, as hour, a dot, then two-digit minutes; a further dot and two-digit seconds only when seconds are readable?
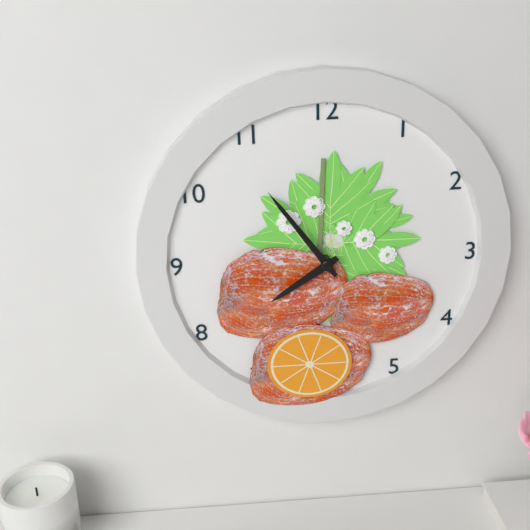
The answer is 7.54
